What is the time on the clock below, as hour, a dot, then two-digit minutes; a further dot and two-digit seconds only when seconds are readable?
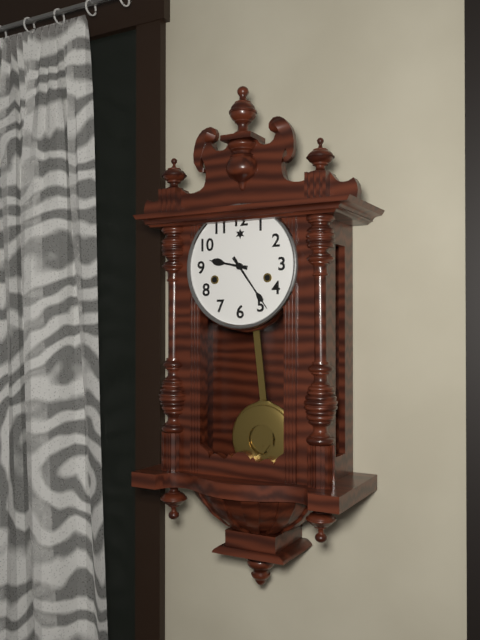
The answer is 9.24
